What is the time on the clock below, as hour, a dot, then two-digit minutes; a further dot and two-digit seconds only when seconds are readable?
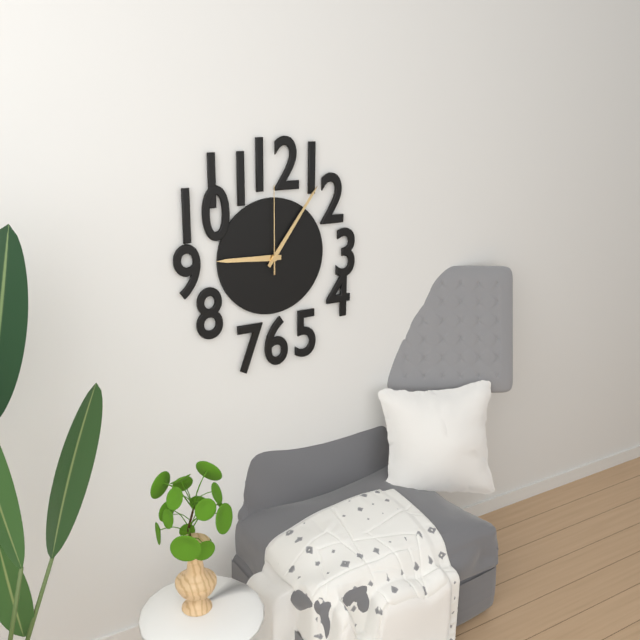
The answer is 9.06.00
